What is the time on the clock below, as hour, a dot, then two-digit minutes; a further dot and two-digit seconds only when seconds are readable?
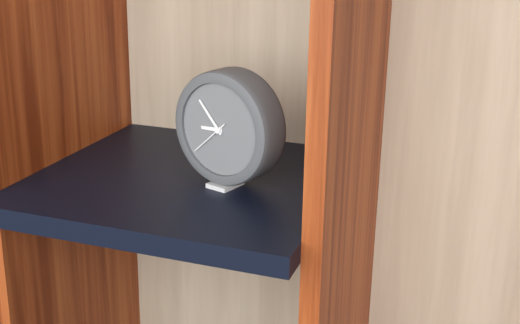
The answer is 8.53
